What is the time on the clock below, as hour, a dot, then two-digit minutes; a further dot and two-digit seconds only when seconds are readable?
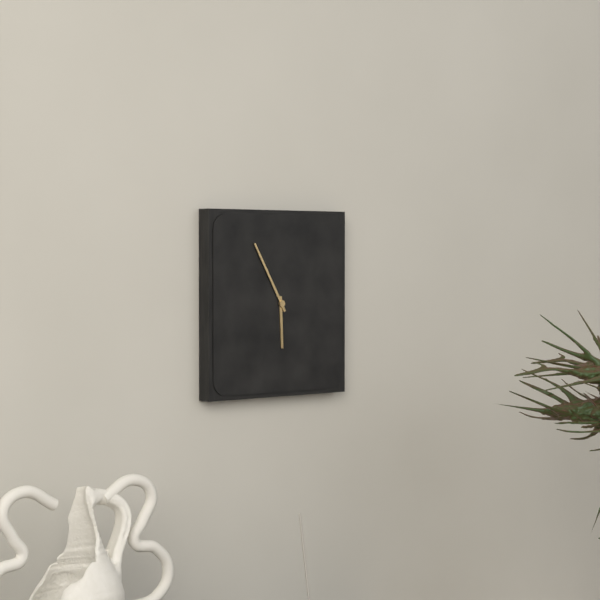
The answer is 5.55
